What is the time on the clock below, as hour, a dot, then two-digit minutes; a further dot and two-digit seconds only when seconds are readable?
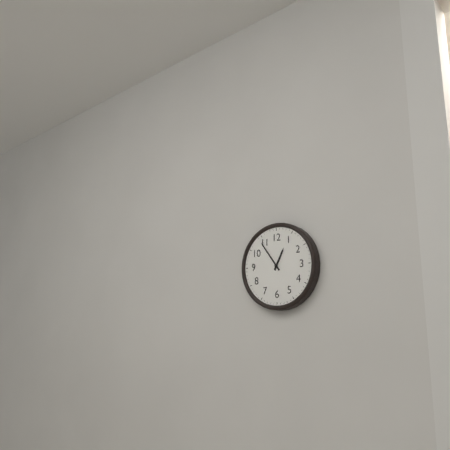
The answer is 12.54
